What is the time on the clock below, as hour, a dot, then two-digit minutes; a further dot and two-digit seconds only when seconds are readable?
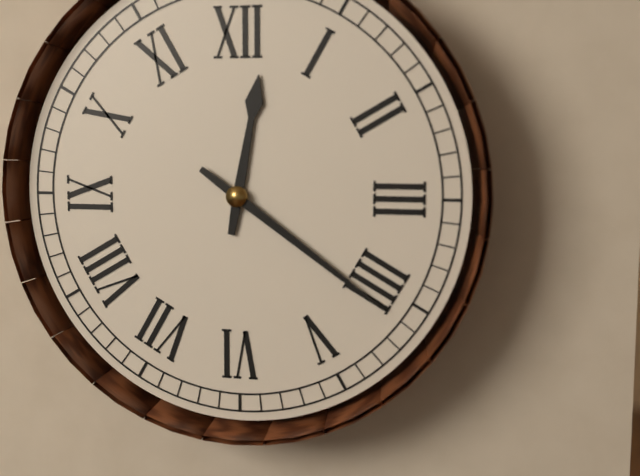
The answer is 12.21
